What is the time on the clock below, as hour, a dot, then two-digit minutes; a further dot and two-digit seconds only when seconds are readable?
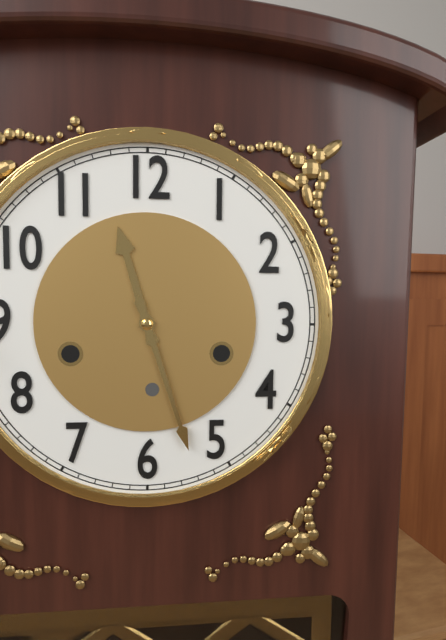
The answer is 11.27
